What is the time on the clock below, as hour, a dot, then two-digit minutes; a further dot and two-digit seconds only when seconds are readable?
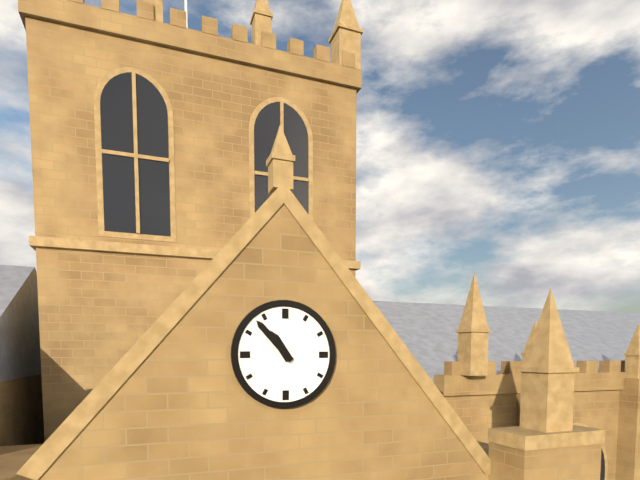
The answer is 10.53
